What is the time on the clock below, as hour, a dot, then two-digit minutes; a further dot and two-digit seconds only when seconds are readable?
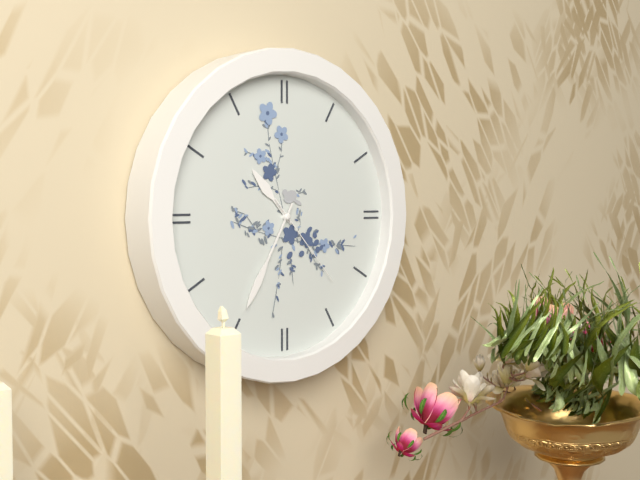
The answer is 10.35.23
